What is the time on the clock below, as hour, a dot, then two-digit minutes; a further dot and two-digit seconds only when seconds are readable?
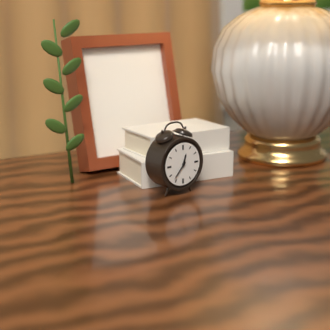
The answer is 12.37
